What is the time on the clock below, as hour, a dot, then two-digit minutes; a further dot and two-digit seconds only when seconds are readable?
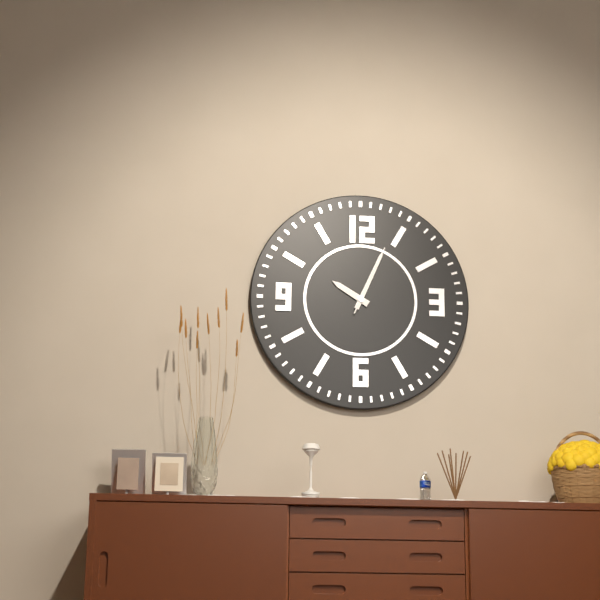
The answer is 10.04.04
